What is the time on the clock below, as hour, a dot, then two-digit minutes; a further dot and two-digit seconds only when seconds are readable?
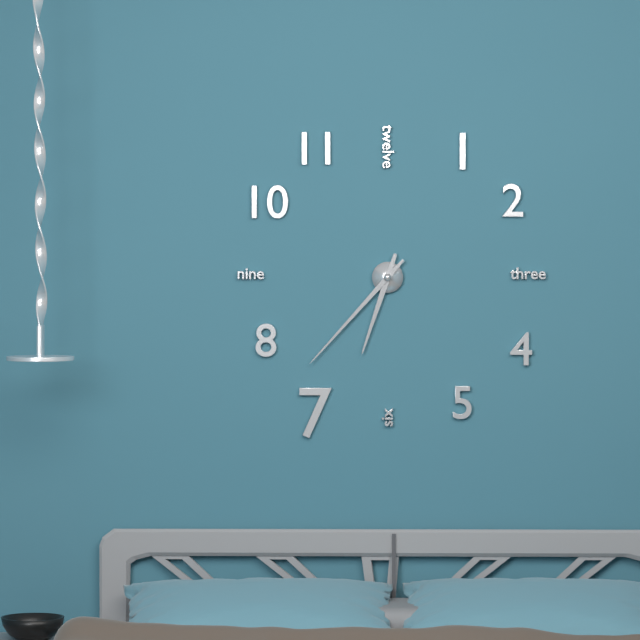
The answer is 6.37
